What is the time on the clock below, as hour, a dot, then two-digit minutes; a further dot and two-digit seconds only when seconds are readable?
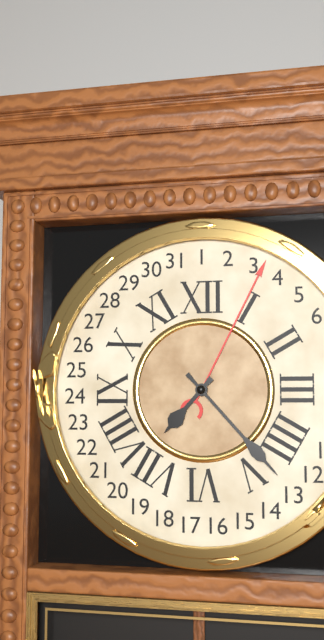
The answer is 7.23
